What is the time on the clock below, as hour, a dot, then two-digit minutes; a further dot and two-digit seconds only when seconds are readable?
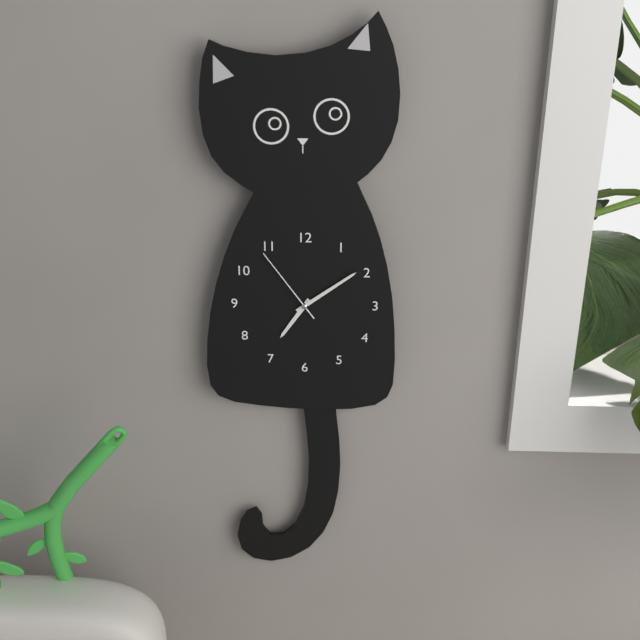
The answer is 7.09.54
